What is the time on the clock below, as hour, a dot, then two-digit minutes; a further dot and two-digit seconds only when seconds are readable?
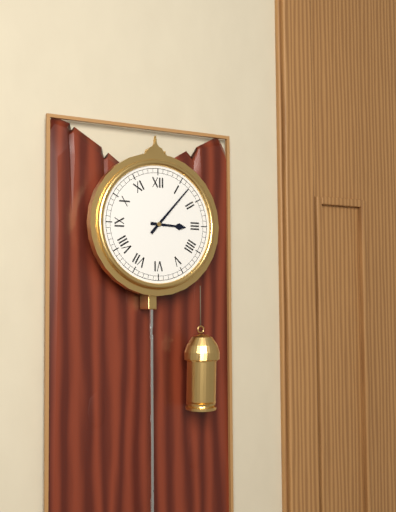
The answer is 3.07
